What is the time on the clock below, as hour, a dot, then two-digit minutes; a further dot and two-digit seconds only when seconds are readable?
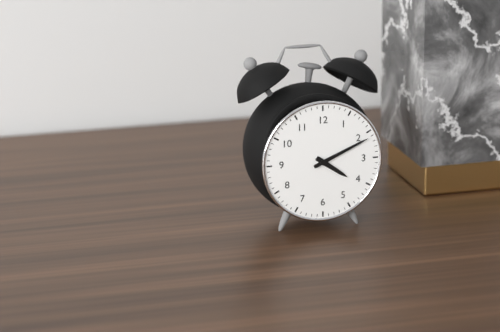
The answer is 4.11
